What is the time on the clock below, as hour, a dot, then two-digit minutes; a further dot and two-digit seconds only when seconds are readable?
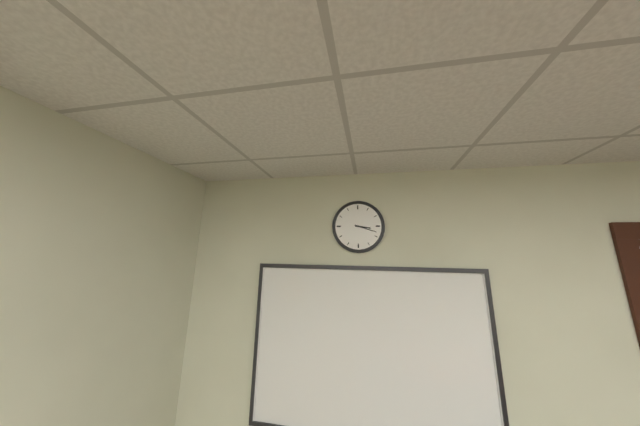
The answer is 3.18
